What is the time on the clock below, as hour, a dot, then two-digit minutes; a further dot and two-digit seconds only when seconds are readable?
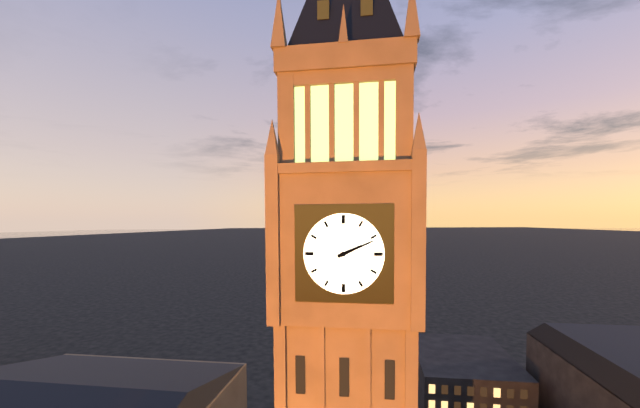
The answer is 2.11
